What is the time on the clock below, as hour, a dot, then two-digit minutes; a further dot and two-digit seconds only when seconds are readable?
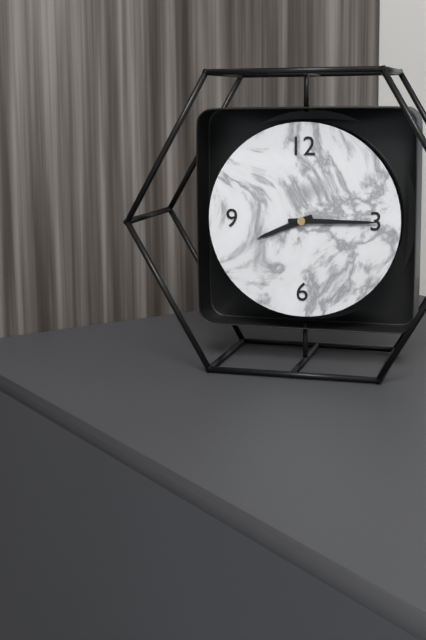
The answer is 8.15
